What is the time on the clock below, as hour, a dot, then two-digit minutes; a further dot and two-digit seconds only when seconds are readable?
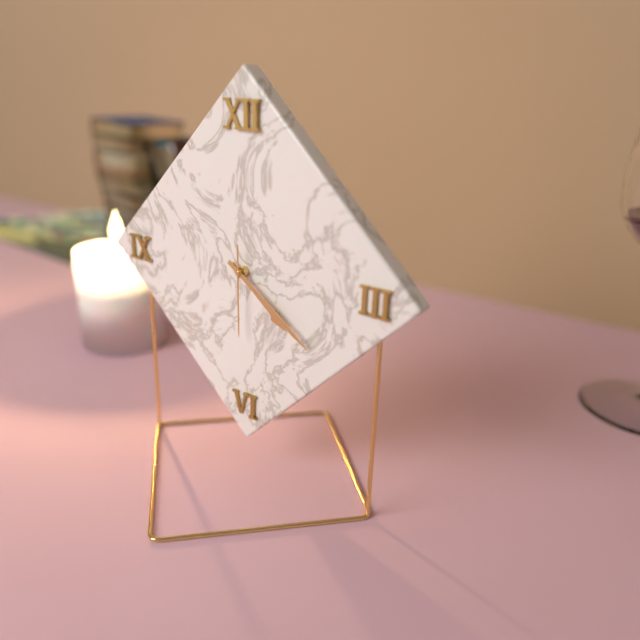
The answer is 4.21.30
